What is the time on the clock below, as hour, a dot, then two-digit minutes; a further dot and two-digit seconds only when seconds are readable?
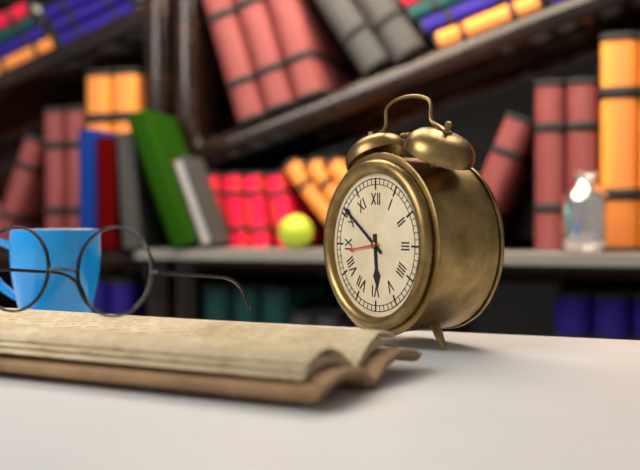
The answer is 5.51
